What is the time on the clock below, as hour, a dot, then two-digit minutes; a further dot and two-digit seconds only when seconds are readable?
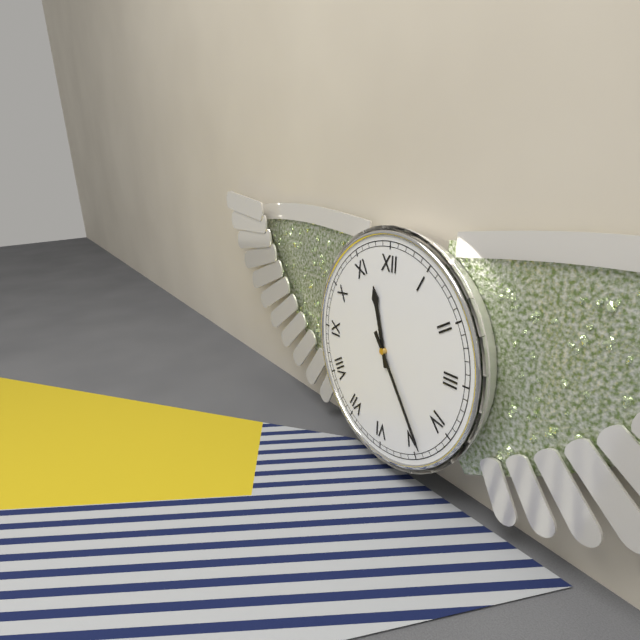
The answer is 11.24
